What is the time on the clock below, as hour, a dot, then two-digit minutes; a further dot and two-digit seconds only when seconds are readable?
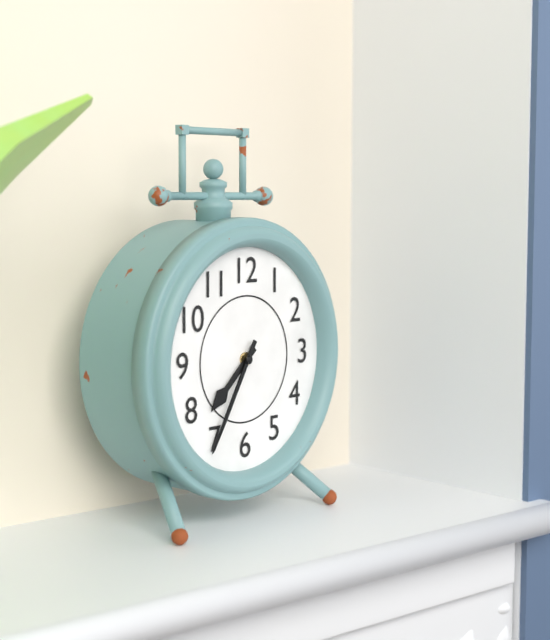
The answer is 7.35
